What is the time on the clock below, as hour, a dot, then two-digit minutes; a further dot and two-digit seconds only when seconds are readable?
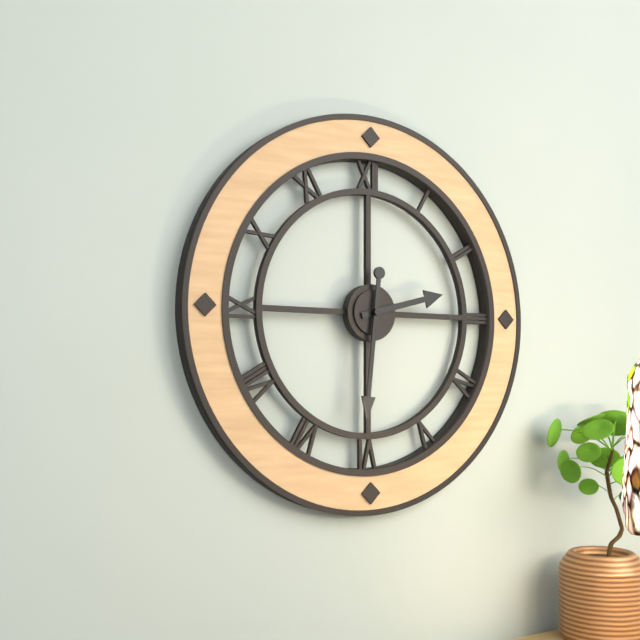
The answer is 2.31
